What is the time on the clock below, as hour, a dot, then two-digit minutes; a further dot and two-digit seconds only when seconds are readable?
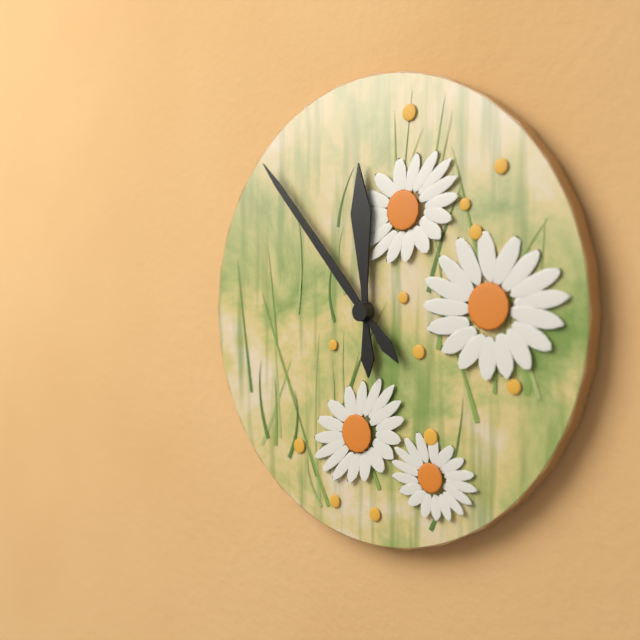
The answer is 11.53
